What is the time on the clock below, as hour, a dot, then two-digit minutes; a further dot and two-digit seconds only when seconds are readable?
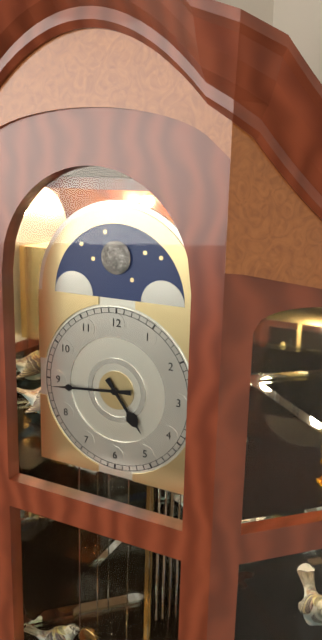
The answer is 4.44
